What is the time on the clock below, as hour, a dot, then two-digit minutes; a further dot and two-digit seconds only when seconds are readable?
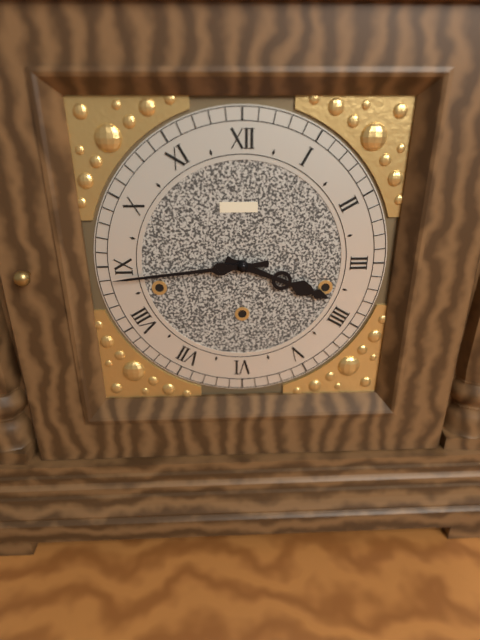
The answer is 3.44
